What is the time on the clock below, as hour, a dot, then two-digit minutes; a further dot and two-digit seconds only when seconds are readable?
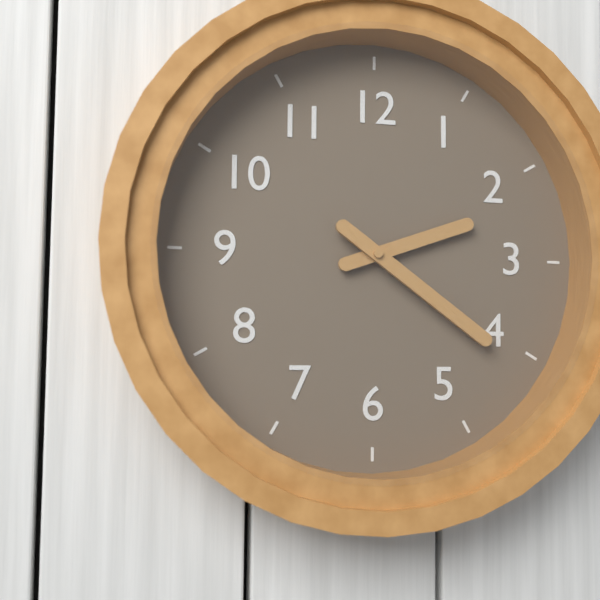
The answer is 2.21
